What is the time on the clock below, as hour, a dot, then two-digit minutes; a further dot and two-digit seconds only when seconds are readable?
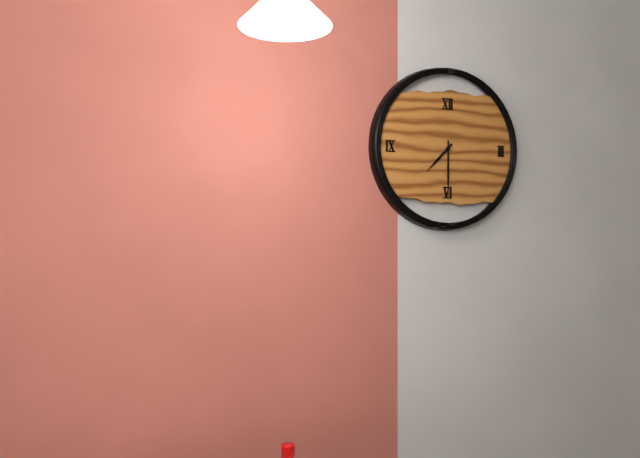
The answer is 7.30
